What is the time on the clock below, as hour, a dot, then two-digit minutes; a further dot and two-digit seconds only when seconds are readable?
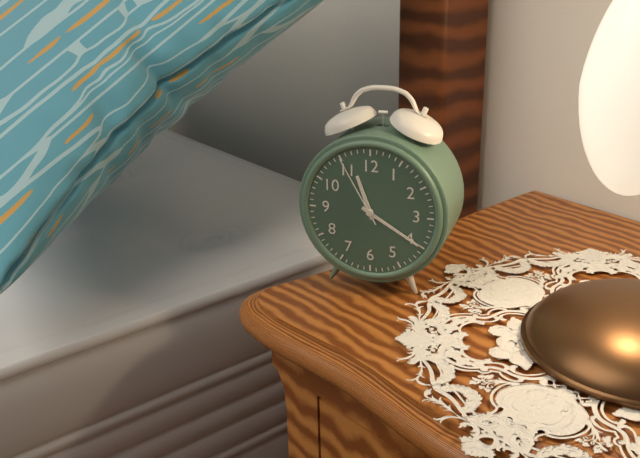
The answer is 11.20.55
